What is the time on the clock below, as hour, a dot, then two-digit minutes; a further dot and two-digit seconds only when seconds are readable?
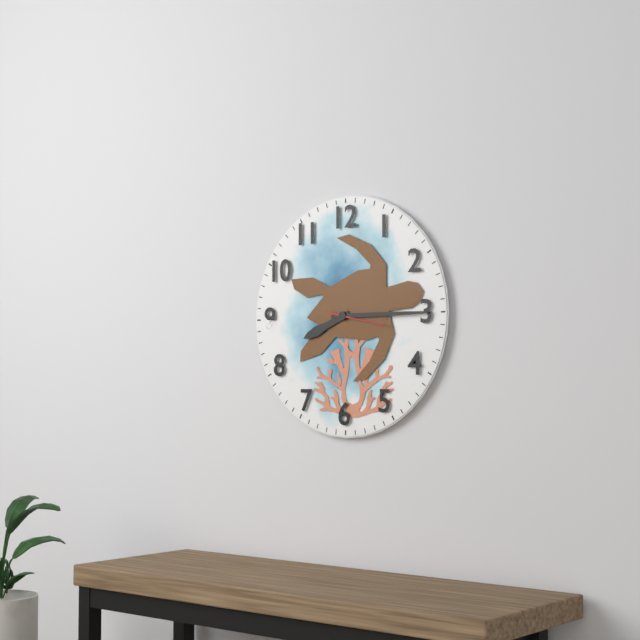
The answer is 8.15.17
